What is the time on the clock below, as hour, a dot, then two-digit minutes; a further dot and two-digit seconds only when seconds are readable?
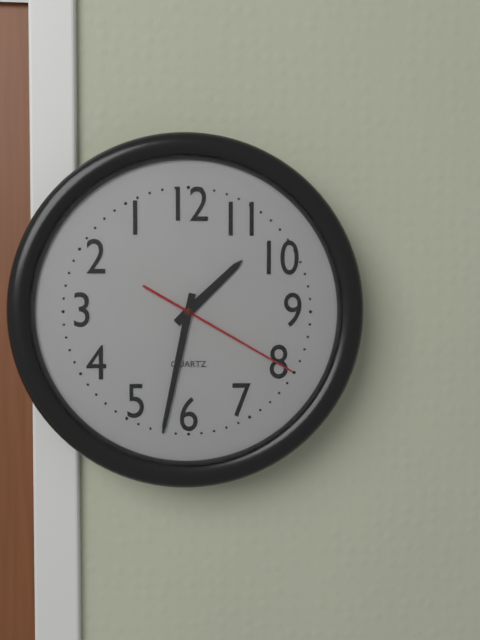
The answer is 1.32.20
